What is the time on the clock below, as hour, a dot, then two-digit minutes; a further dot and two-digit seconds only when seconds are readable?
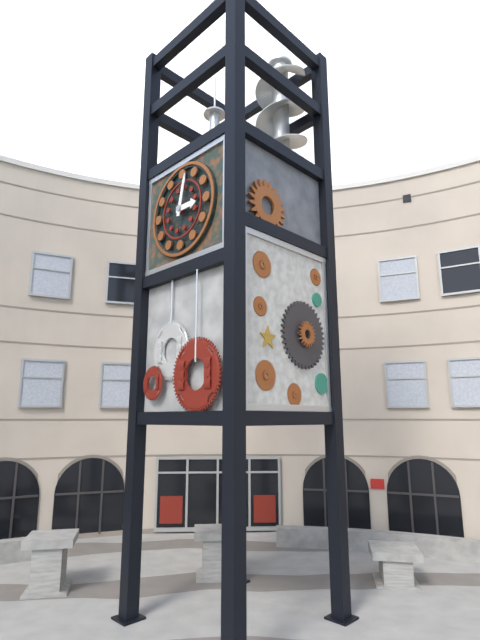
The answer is 3.02
